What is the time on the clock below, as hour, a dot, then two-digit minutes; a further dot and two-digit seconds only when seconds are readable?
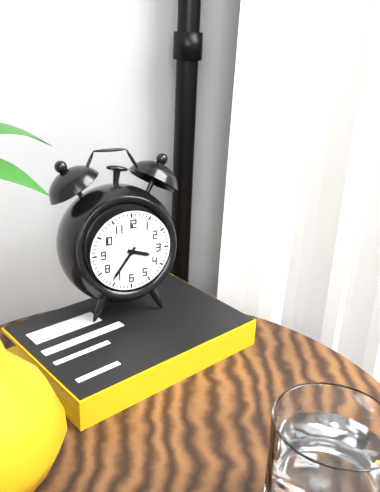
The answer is 3.36
